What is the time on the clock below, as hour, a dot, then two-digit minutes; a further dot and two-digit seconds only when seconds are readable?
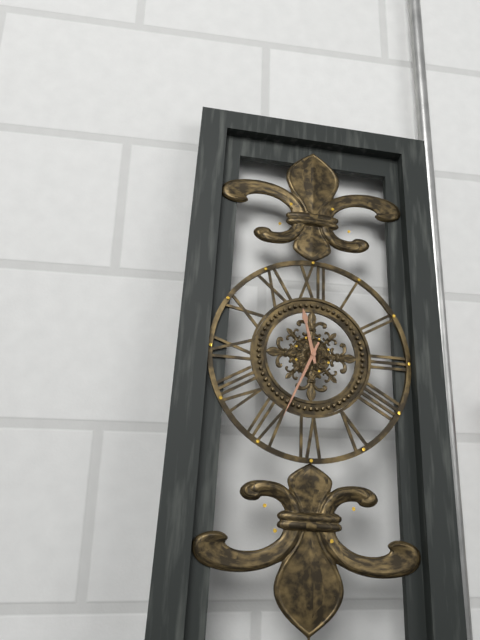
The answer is 11.34
